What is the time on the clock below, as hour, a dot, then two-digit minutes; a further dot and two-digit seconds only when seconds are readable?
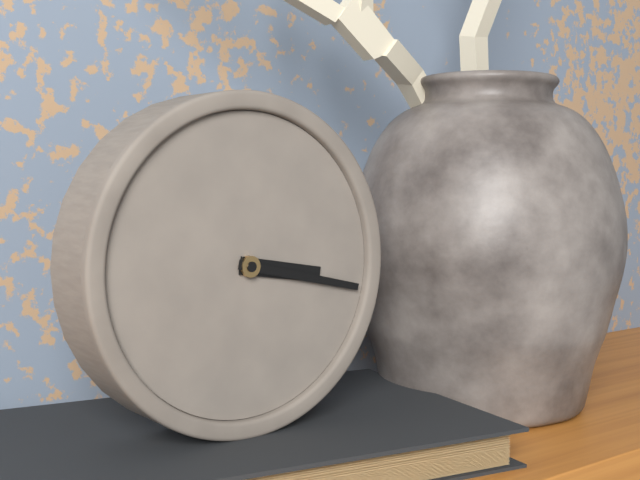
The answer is 3.17
